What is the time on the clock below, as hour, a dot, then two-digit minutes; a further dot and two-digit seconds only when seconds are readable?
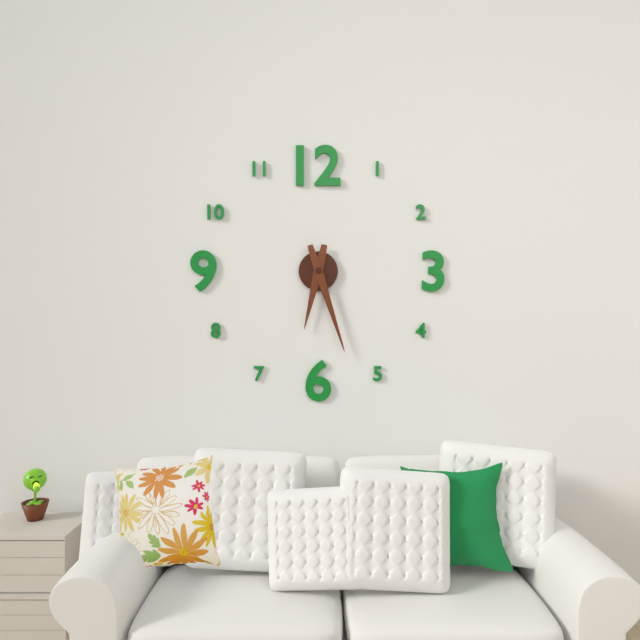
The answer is 6.27
